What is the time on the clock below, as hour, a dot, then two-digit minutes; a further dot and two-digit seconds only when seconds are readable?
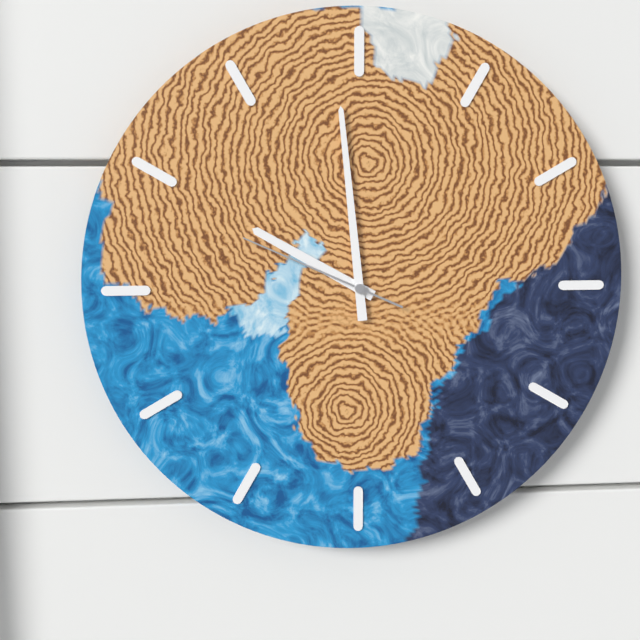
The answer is 9.59.49
